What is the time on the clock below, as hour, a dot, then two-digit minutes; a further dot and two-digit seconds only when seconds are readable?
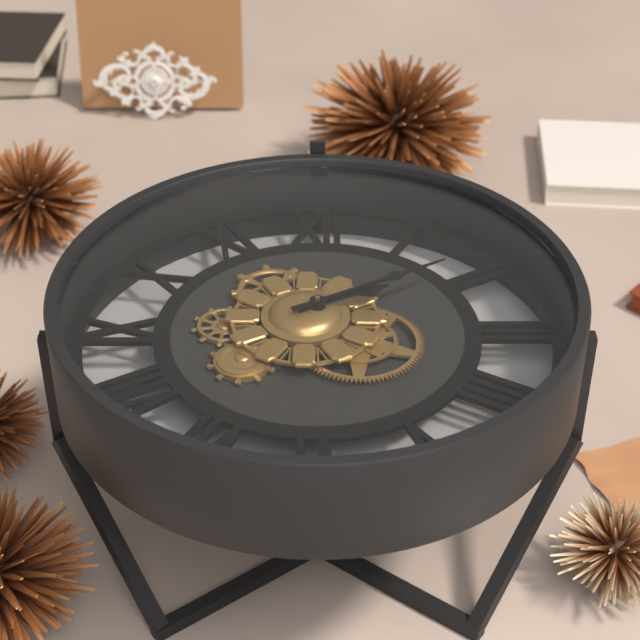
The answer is 2.10
